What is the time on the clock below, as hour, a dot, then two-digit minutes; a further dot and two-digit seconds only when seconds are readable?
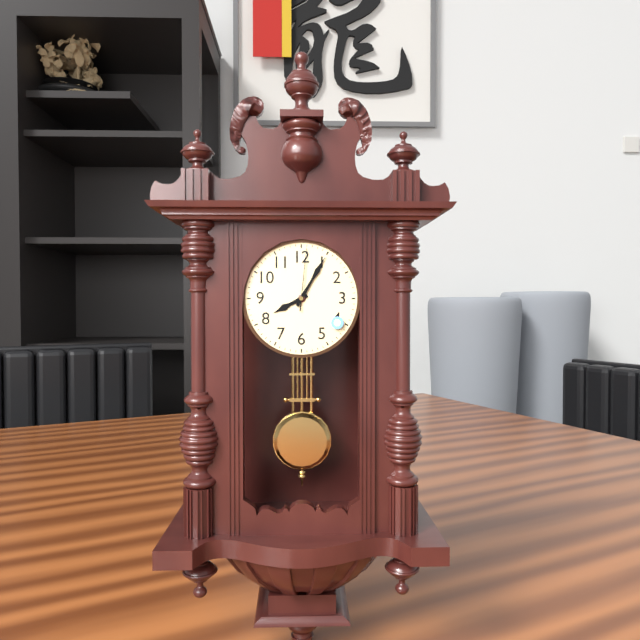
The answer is 8.05.01
